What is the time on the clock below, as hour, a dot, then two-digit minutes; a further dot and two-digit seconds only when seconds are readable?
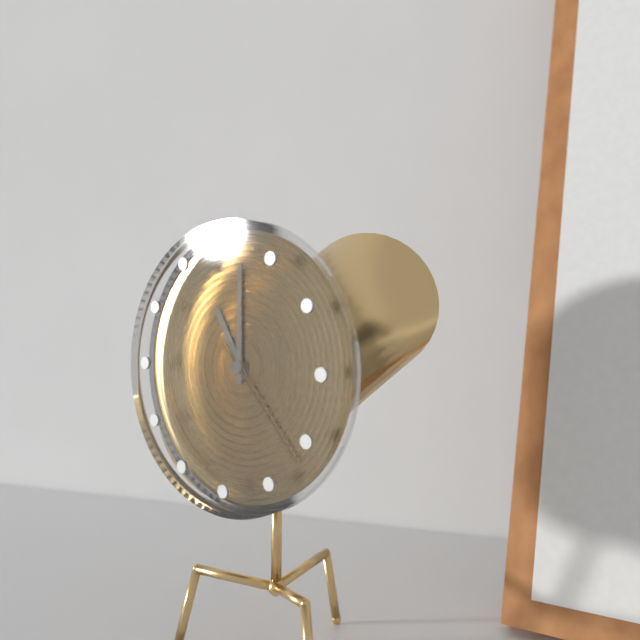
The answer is 11.00.23
